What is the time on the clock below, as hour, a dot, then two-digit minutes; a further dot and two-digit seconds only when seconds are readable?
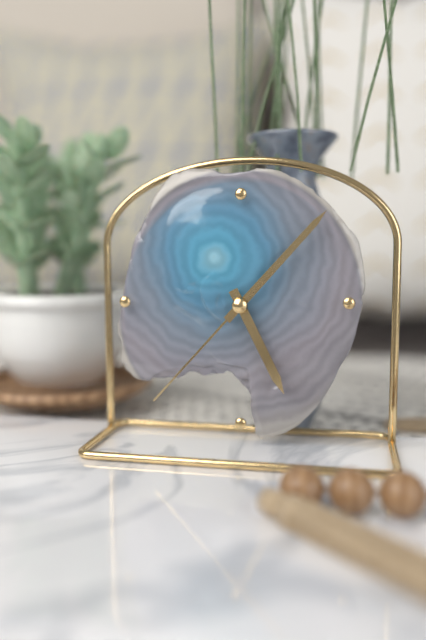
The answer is 5.07.37
